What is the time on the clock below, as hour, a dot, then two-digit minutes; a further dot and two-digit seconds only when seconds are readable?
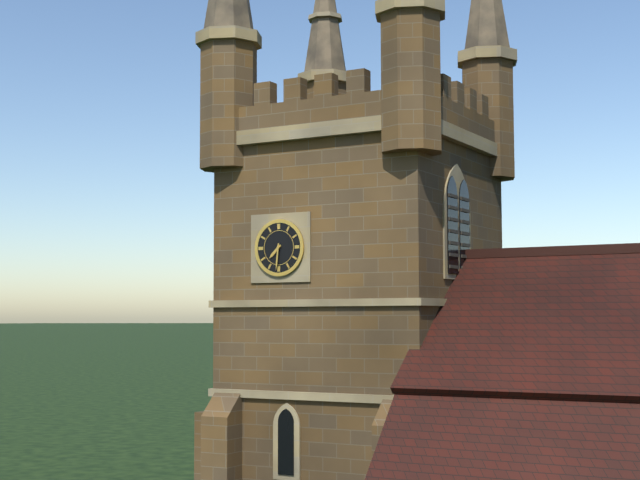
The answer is 7.31
